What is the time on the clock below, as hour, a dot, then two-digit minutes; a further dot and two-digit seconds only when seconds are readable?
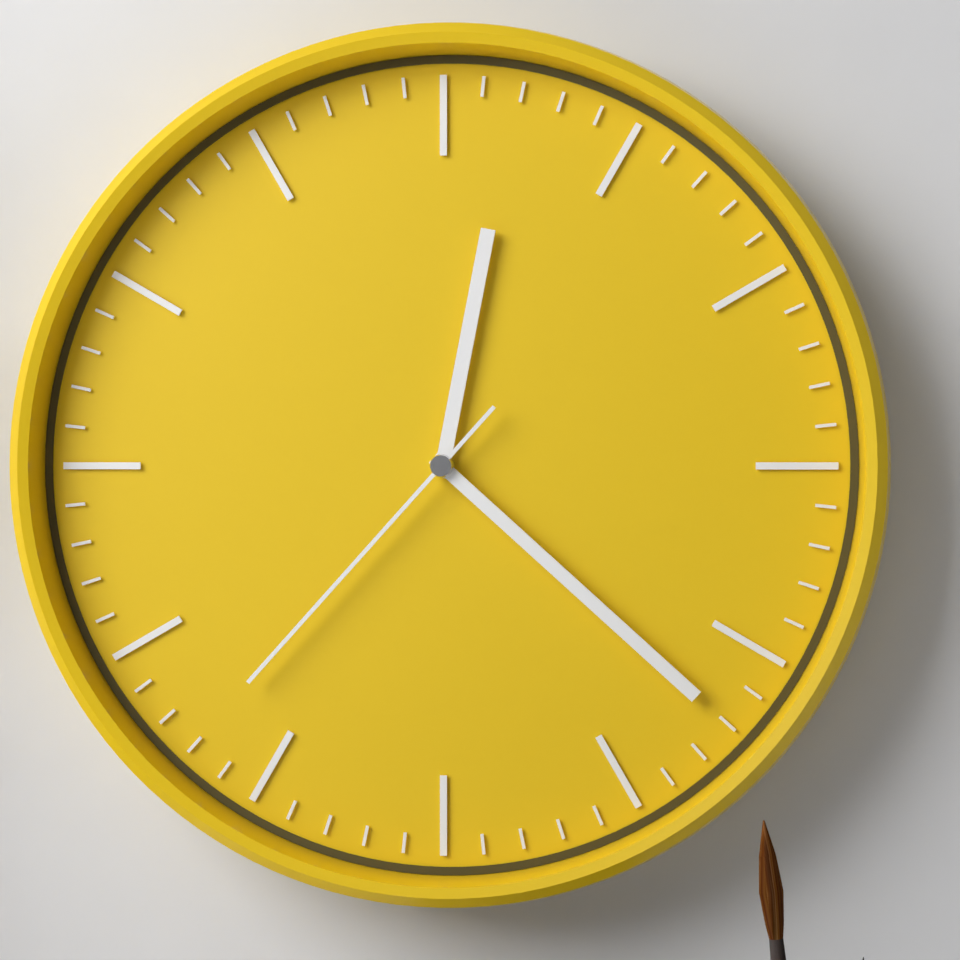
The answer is 12.22.37
